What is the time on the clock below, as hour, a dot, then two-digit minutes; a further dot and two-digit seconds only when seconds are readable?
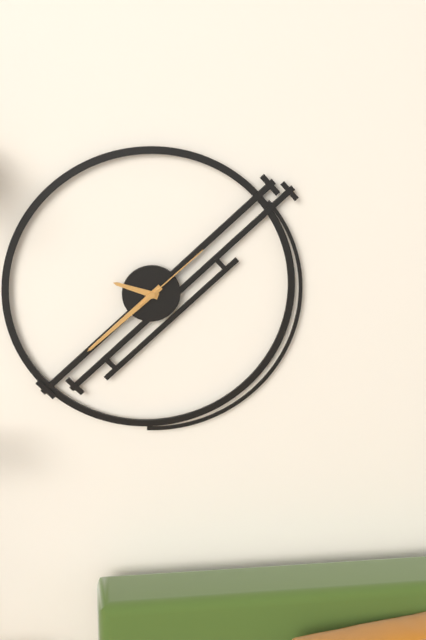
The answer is 9.38.08
